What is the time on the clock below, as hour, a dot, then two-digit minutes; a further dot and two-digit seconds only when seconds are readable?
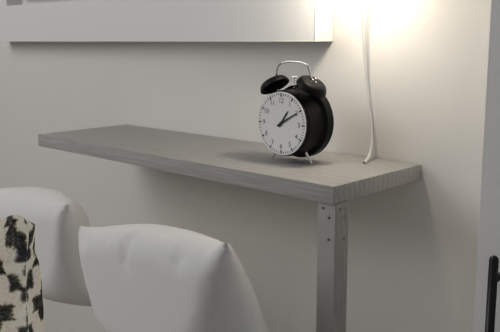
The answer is 1.10
